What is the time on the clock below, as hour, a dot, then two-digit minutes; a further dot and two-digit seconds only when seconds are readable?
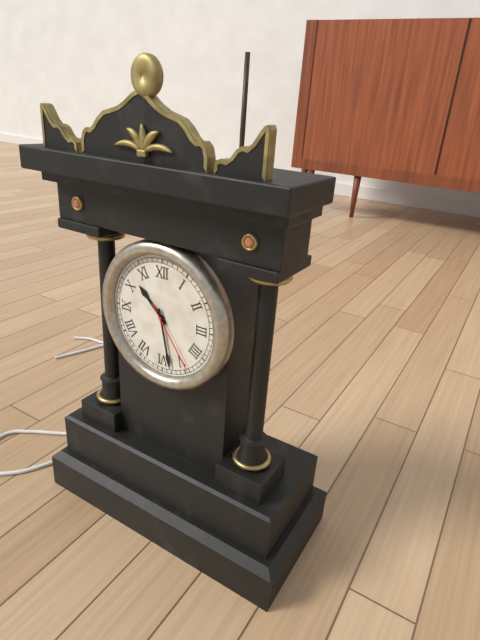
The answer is 10.28.24
